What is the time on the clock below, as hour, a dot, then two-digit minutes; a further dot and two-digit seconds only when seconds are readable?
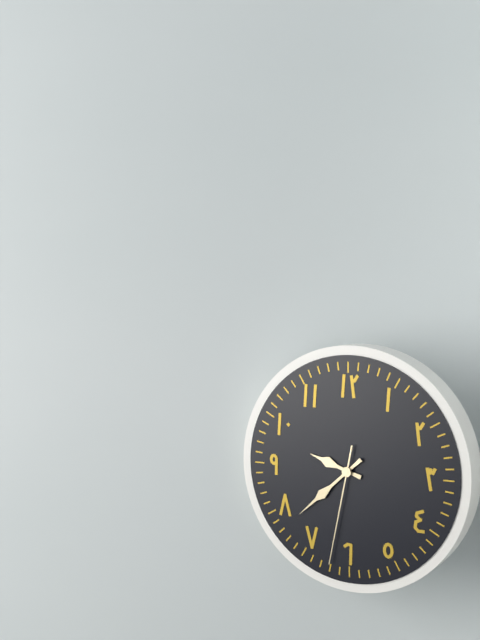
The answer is 9.38.32
